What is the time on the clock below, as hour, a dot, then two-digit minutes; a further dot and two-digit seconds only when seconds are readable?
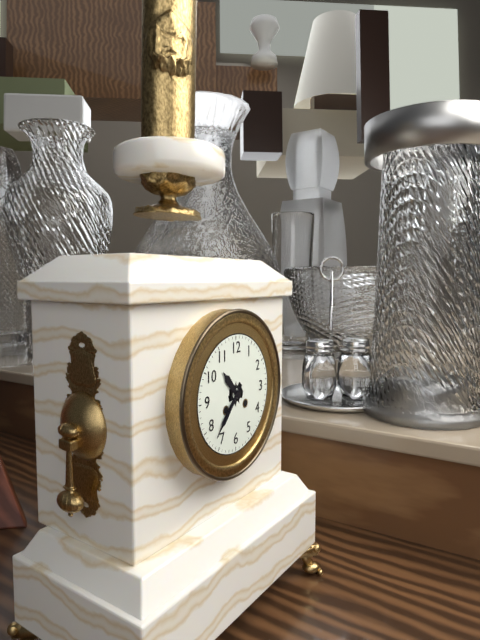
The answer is 10.37
